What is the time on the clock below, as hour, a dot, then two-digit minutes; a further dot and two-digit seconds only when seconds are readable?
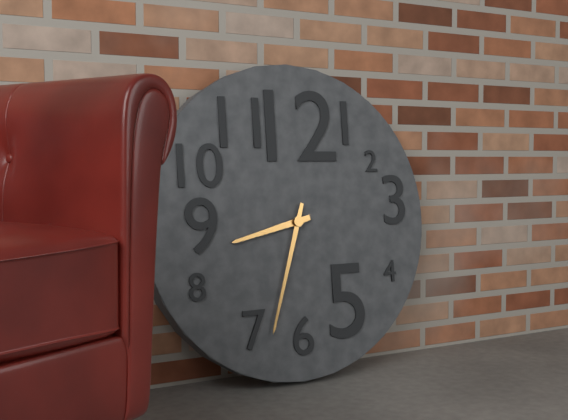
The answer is 8.33
